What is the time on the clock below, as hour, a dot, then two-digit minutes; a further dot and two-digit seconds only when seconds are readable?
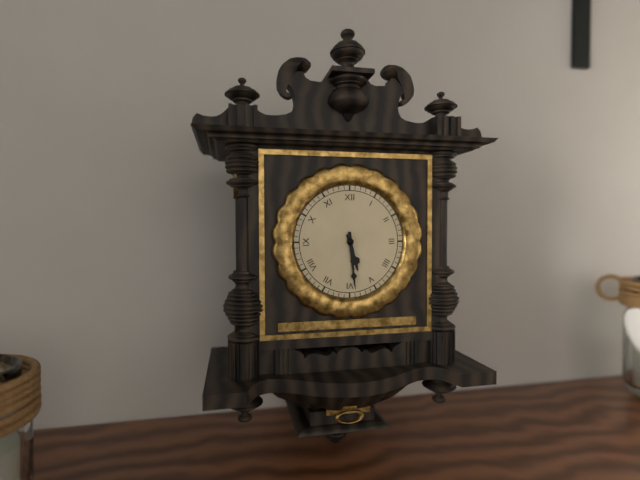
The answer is 5.29
